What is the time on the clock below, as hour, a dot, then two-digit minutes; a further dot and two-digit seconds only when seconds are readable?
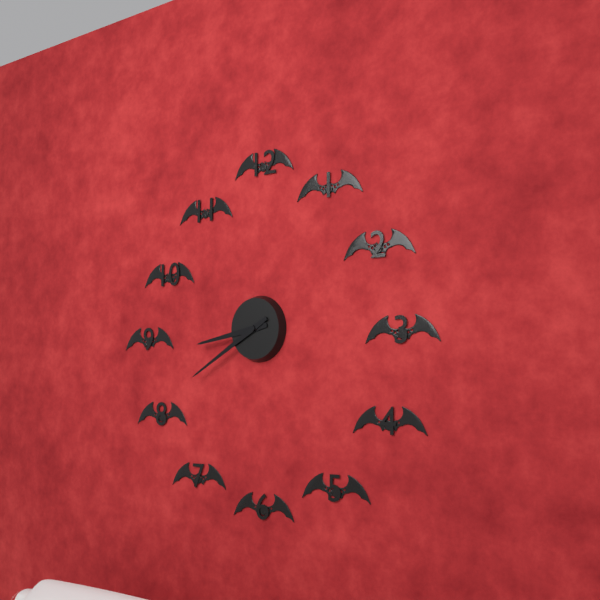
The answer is 8.40
